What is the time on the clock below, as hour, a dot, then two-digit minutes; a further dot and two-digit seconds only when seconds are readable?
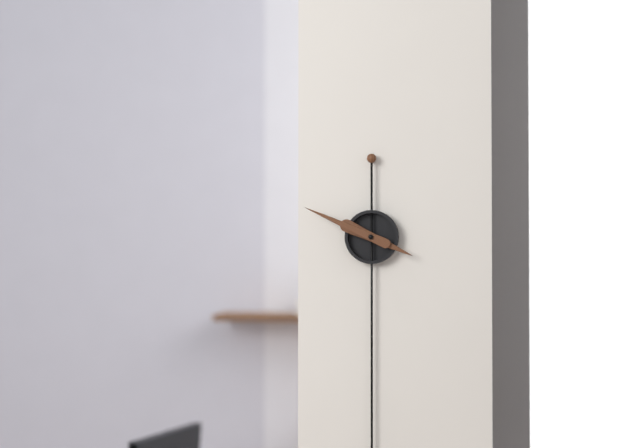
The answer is 3.49
